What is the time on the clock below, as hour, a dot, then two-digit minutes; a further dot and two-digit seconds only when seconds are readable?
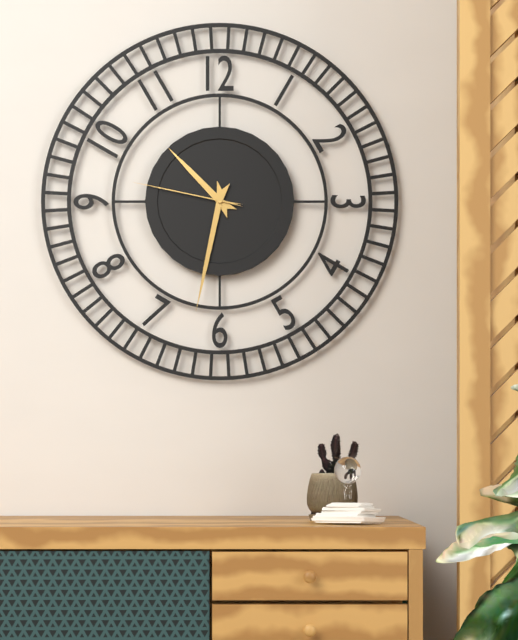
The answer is 10.32.47
